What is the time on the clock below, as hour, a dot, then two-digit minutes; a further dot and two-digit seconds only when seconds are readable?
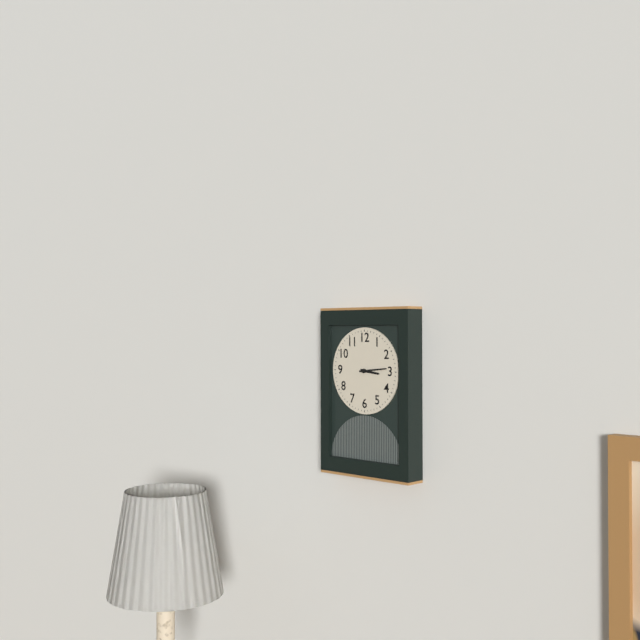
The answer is 3.14
